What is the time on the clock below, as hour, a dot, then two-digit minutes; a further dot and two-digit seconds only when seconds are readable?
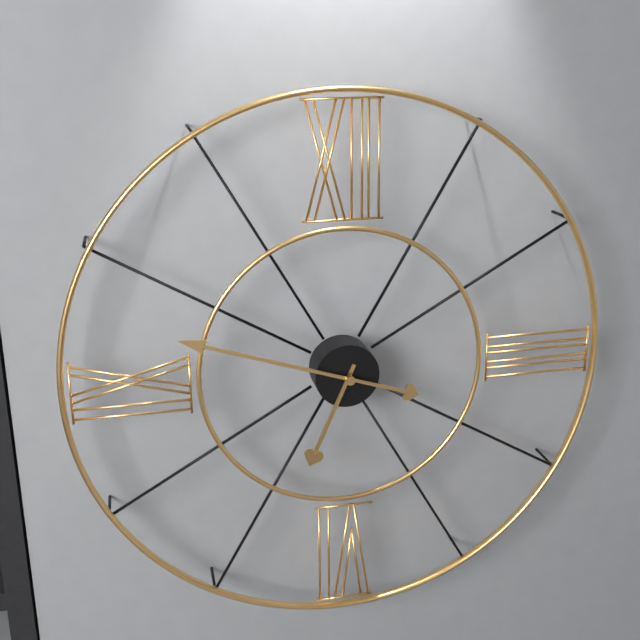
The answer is 6.48
